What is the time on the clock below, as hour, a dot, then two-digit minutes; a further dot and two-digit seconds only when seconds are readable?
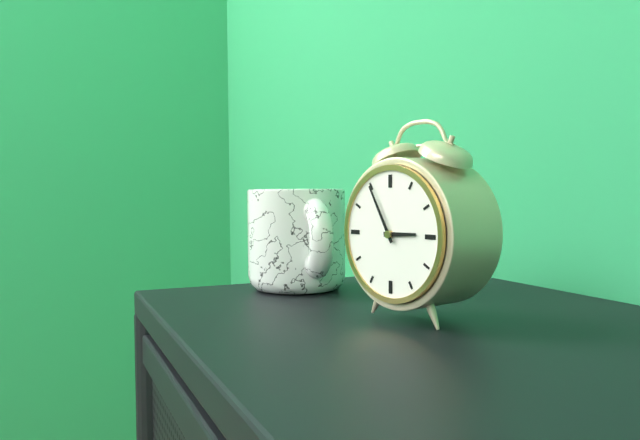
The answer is 2.55
